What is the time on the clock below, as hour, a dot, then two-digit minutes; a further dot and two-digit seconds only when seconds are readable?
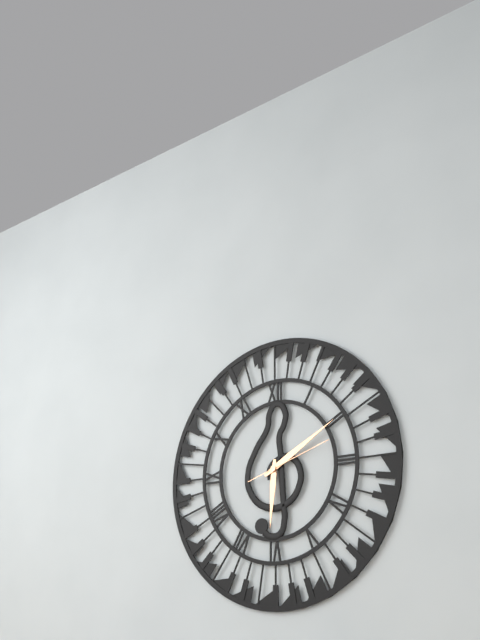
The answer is 6.10.12
